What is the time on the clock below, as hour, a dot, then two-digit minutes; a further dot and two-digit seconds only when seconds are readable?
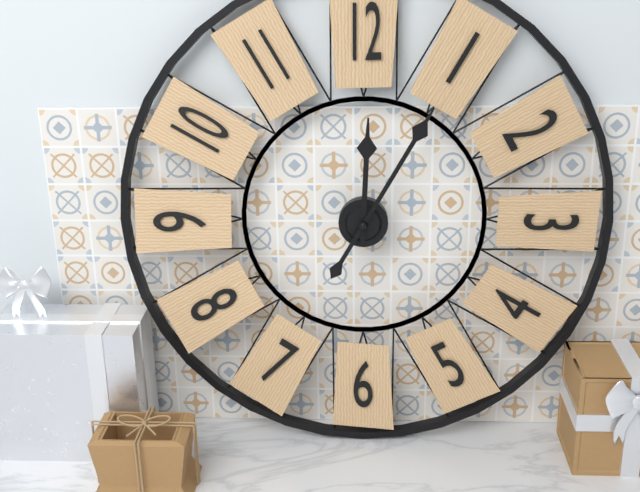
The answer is 12.05
